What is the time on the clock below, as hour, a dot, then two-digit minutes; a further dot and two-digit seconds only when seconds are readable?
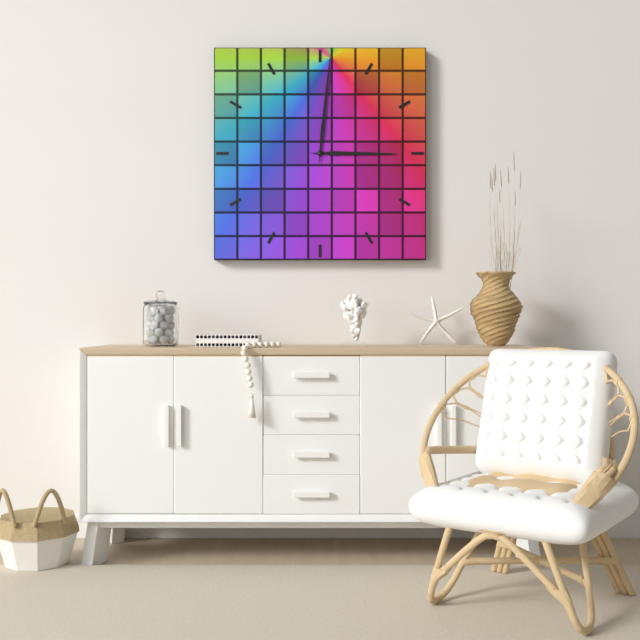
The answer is 3.01
